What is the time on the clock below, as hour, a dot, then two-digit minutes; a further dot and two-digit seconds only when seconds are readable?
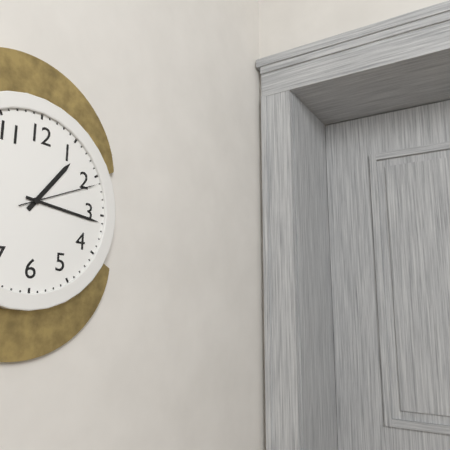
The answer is 1.16.11
